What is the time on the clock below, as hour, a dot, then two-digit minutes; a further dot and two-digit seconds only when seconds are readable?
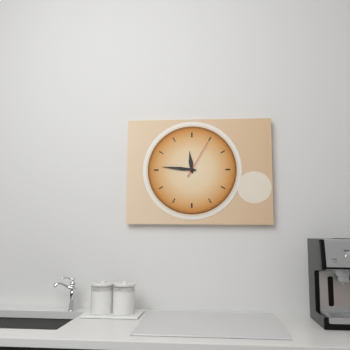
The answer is 11.46
